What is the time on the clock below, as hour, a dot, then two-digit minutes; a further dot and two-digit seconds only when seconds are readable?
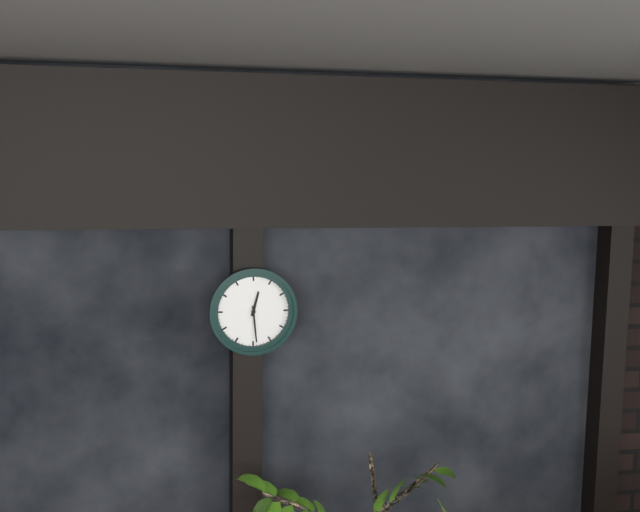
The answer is 12.29
